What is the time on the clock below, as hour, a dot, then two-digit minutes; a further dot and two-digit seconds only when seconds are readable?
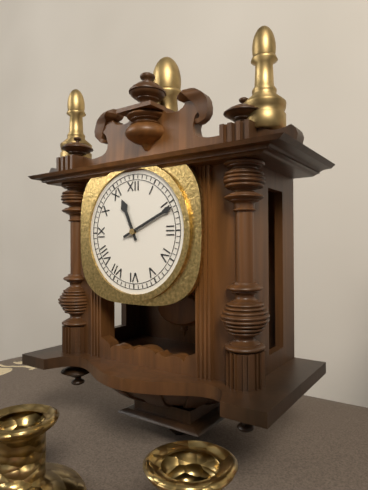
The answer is 11.11
